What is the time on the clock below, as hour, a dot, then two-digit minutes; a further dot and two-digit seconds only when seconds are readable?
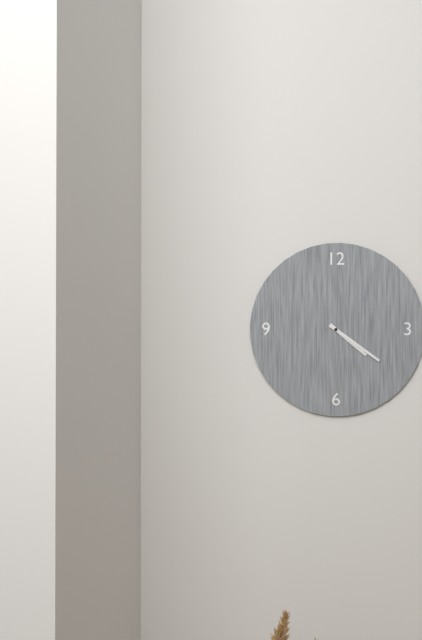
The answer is 4.21
